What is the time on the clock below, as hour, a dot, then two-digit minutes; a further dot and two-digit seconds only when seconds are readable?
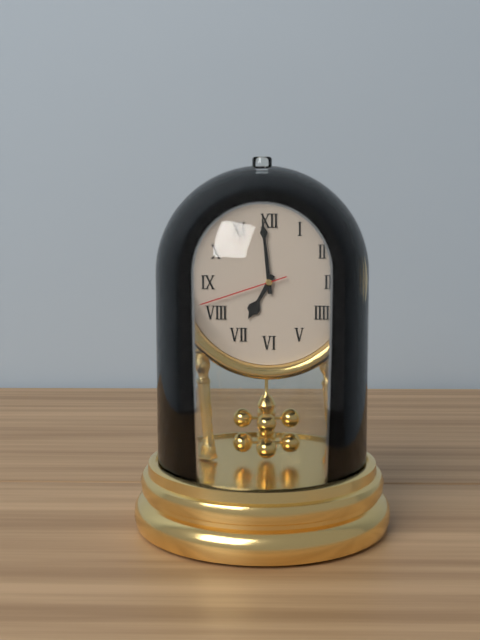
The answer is 6.59.42
